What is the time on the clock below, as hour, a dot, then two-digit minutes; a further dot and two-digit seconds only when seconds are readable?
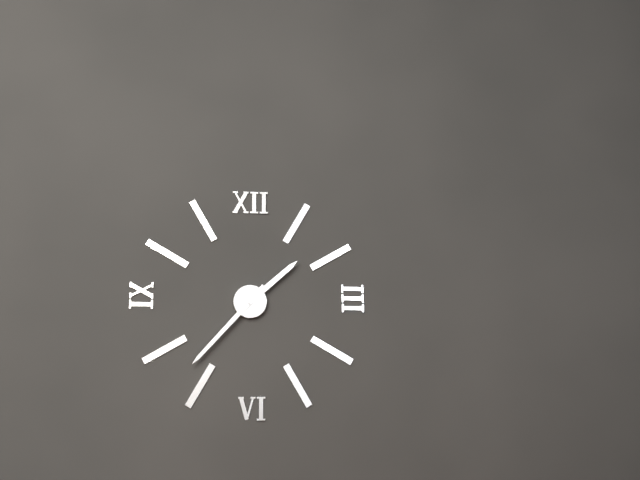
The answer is 1.37
